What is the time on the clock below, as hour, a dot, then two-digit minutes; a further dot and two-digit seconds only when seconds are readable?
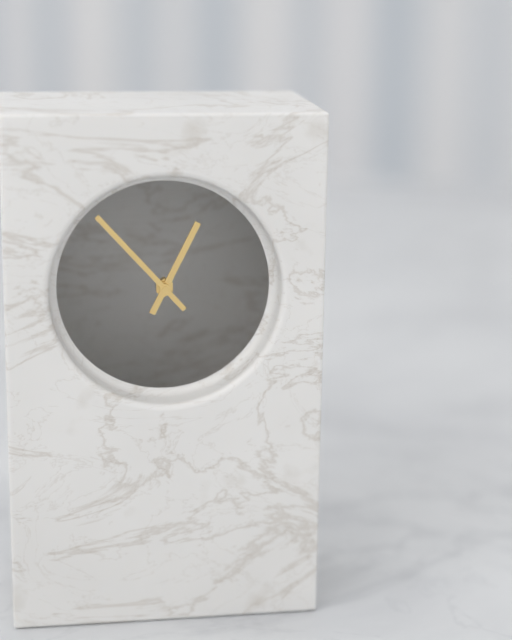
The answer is 12.53
